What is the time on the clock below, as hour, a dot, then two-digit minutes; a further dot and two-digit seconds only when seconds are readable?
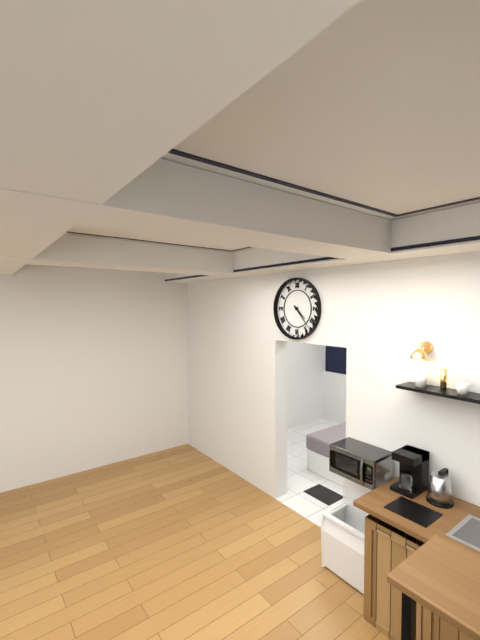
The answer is 4.23
